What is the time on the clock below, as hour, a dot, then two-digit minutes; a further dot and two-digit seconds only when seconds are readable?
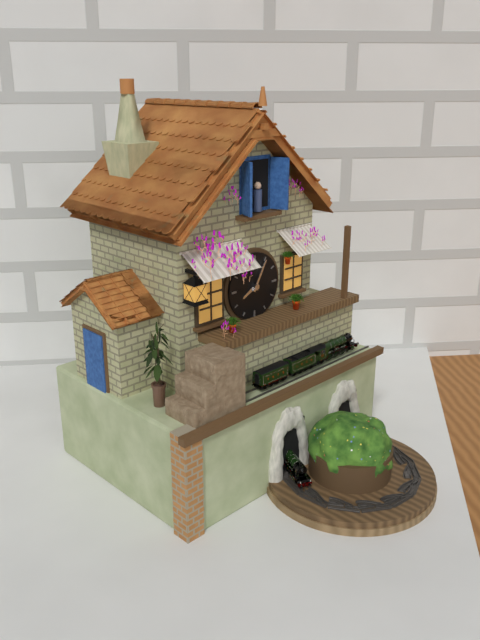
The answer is 8.05
